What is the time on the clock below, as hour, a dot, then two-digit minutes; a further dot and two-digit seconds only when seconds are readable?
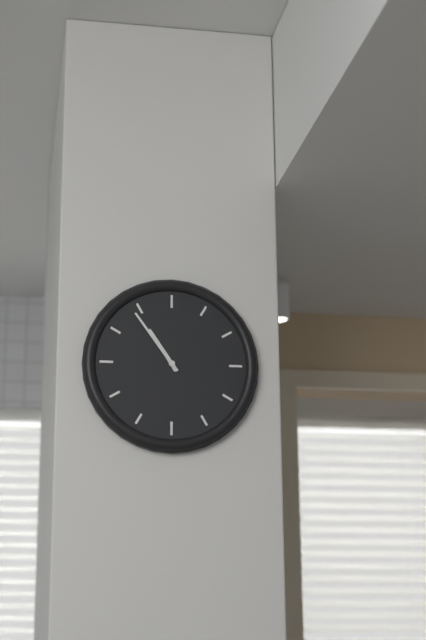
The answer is 10.54
